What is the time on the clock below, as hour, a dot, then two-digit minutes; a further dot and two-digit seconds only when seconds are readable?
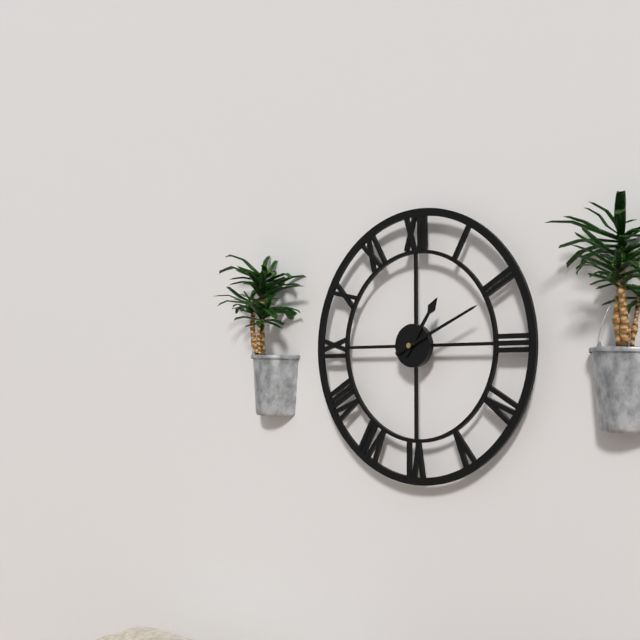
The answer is 1.11
